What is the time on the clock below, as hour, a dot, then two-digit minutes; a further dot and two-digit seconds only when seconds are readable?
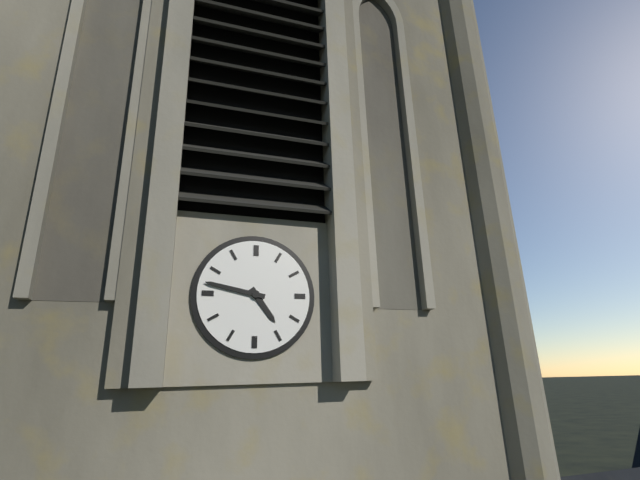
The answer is 4.47
